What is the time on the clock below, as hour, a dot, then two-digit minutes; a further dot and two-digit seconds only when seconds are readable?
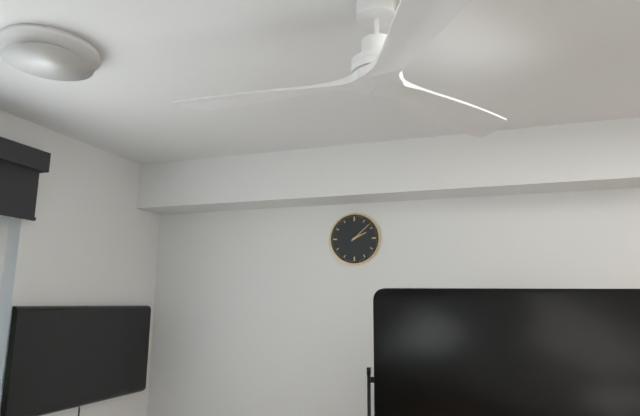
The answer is 2.08
